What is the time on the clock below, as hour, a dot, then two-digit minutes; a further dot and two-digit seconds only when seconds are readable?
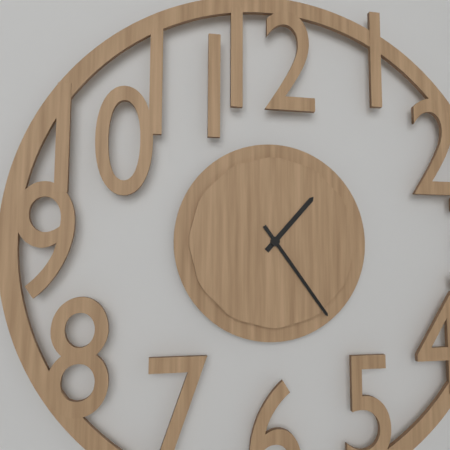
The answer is 1.24
